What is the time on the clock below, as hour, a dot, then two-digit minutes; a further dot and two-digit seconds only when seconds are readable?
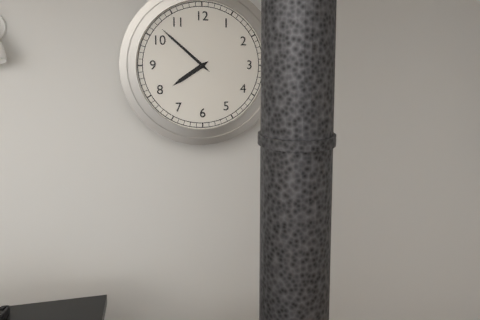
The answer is 7.52
